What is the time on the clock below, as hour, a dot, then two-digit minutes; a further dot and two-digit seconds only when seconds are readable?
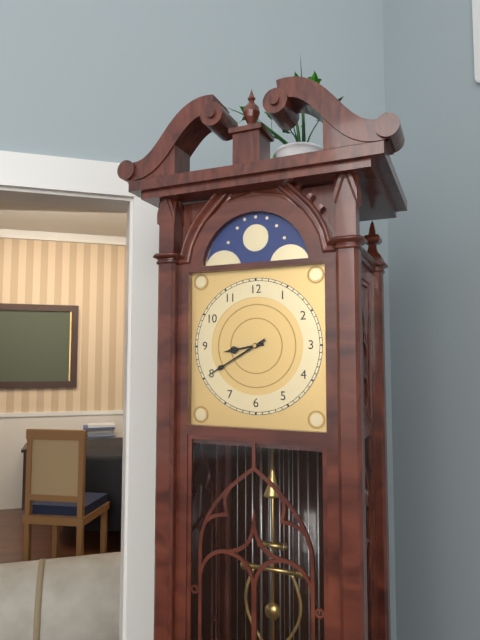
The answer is 8.40
